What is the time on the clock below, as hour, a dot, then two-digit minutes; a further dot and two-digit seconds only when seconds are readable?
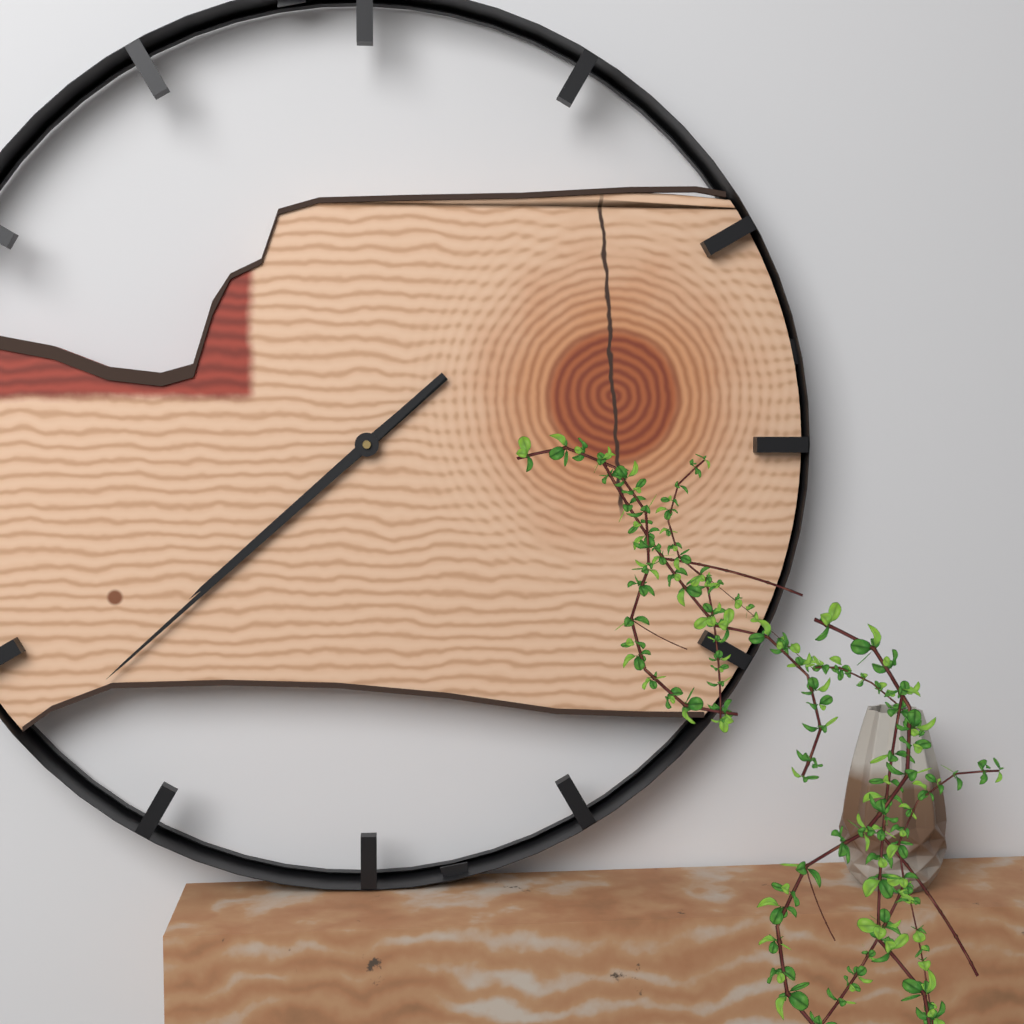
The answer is 7.38
